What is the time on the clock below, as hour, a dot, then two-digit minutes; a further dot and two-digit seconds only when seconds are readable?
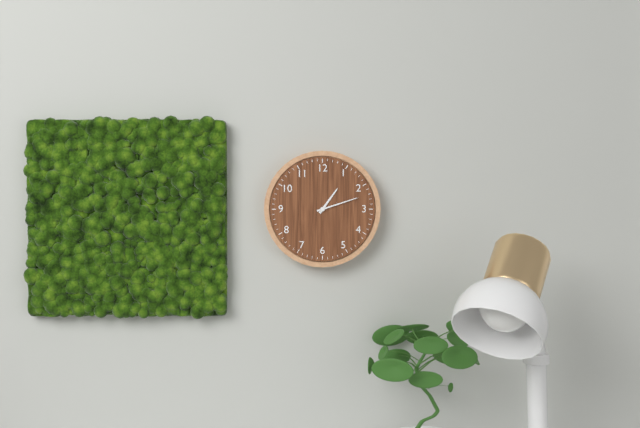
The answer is 1.12
